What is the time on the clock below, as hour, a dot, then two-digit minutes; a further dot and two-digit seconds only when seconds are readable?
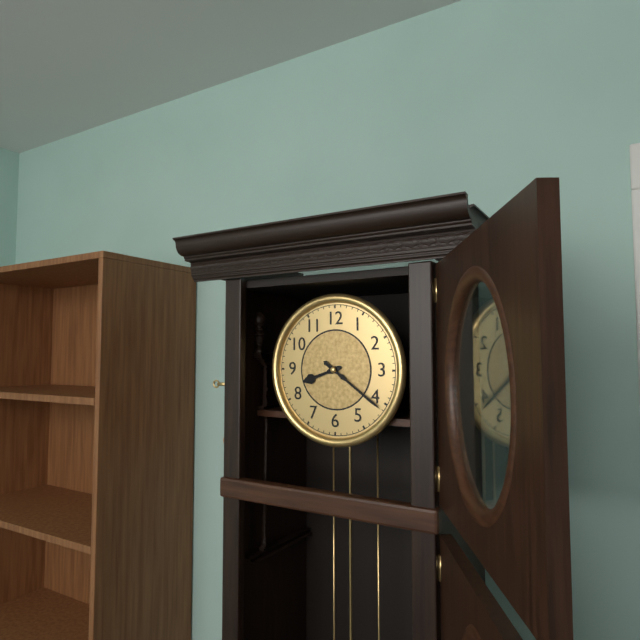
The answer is 8.21
